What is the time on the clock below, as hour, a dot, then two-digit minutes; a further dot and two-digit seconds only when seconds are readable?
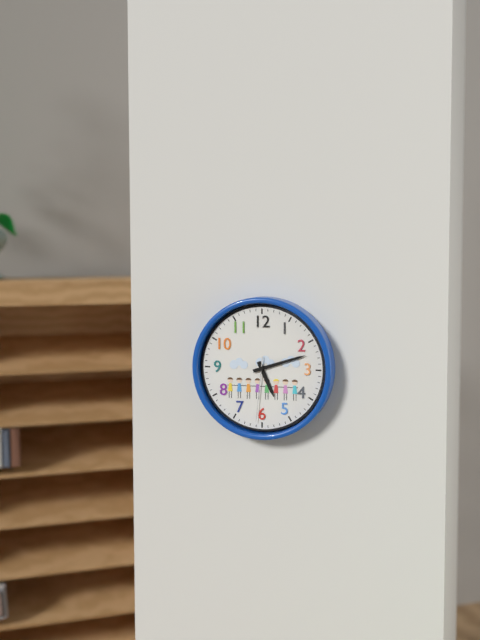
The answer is 5.12.31
